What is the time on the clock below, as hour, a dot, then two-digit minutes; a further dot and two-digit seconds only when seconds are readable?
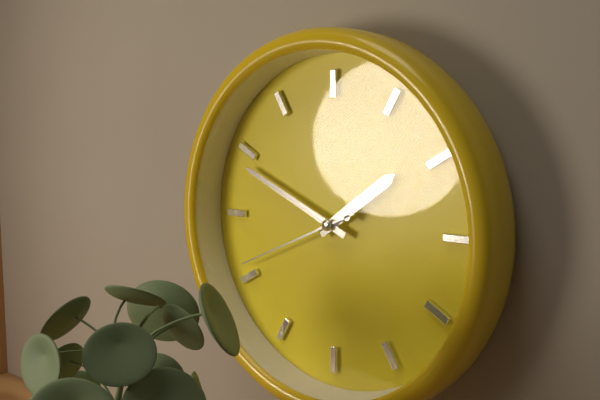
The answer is 1.49.41
